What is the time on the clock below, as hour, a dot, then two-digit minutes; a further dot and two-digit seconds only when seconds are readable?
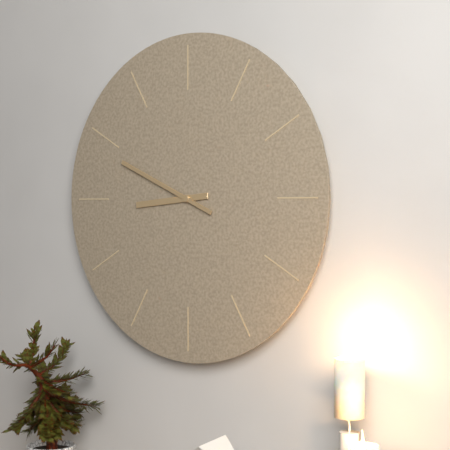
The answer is 8.49
